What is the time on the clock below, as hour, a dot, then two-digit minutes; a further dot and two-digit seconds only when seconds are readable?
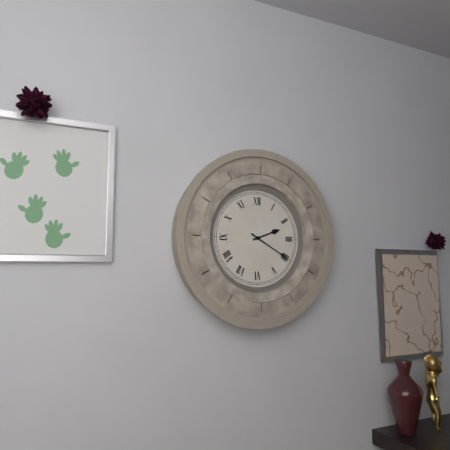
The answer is 2.20
